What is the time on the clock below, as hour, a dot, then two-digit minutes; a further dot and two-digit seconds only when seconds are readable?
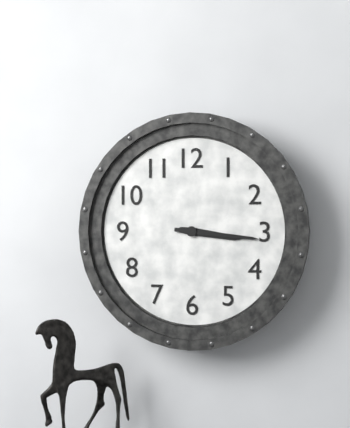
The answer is 3.16
